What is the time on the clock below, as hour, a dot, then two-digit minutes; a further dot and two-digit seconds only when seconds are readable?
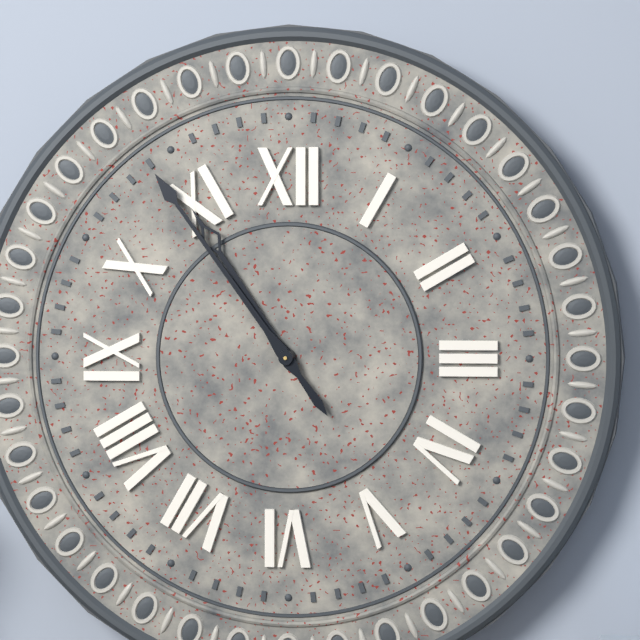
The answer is 10.54
